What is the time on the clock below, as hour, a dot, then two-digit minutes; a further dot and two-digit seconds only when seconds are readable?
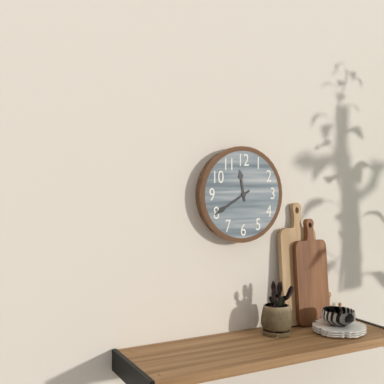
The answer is 11.40
